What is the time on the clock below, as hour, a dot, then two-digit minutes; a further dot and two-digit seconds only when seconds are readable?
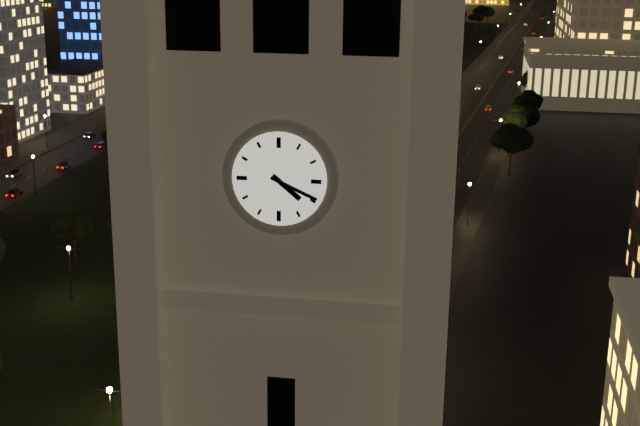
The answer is 4.19
